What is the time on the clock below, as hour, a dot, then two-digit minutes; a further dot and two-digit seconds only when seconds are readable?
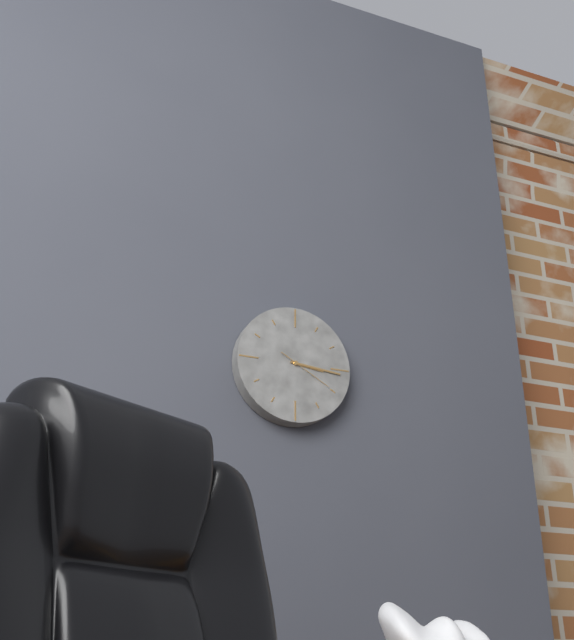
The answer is 3.16.20
